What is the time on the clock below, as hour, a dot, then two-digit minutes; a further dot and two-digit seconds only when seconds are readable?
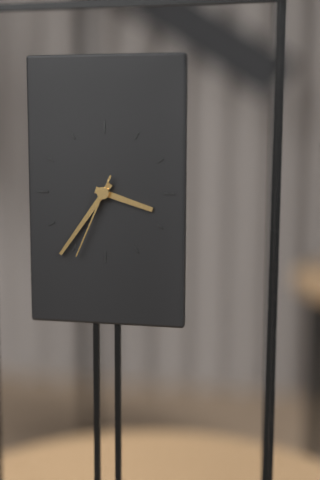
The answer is 3.36.34
